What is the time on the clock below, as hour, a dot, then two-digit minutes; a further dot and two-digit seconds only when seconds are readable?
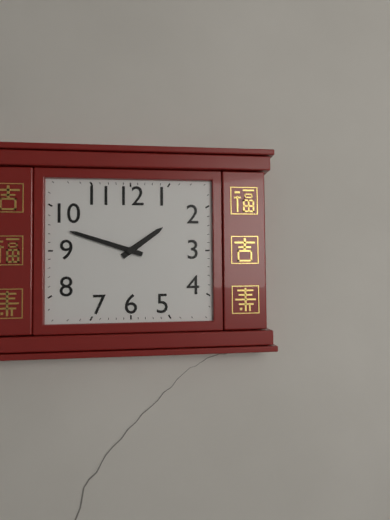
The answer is 1.48
